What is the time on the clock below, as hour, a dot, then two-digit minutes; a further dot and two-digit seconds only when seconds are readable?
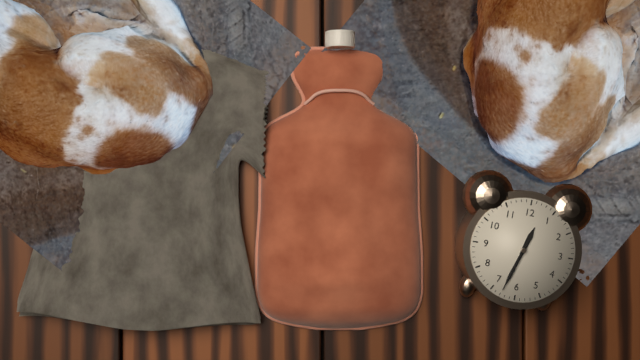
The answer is 12.33.33
